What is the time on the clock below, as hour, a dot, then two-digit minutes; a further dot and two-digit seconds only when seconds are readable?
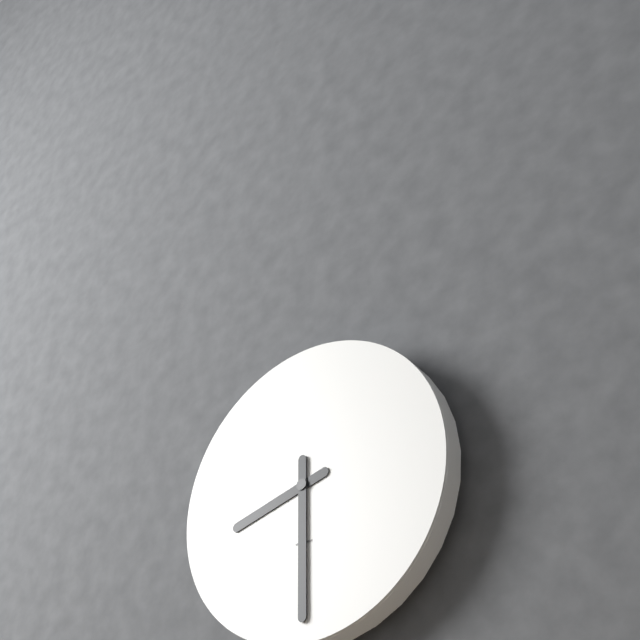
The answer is 8.30
